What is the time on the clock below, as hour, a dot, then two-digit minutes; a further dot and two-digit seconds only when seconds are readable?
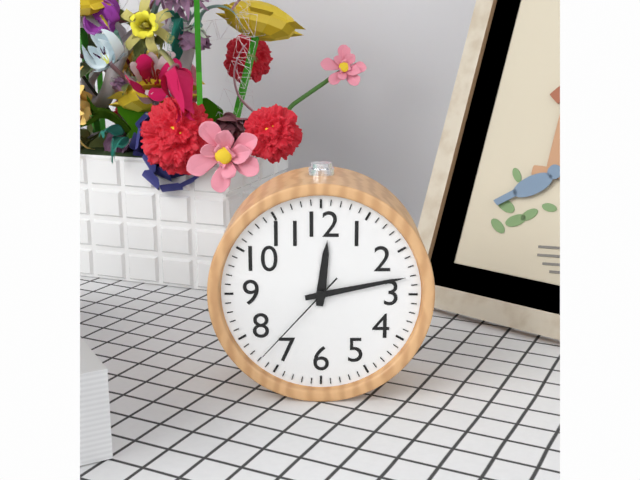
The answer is 12.13.37
